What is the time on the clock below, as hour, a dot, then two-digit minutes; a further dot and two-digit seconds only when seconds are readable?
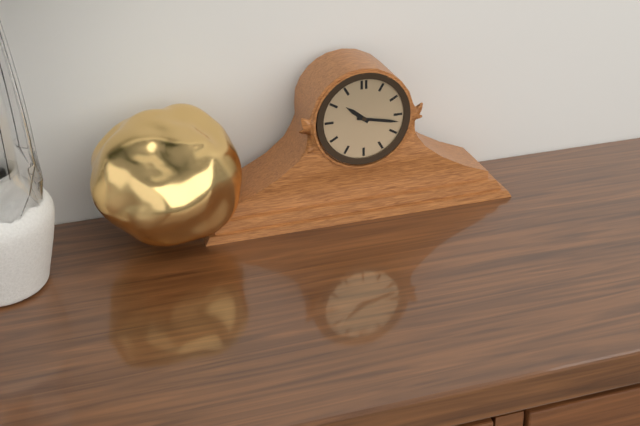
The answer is 10.17
